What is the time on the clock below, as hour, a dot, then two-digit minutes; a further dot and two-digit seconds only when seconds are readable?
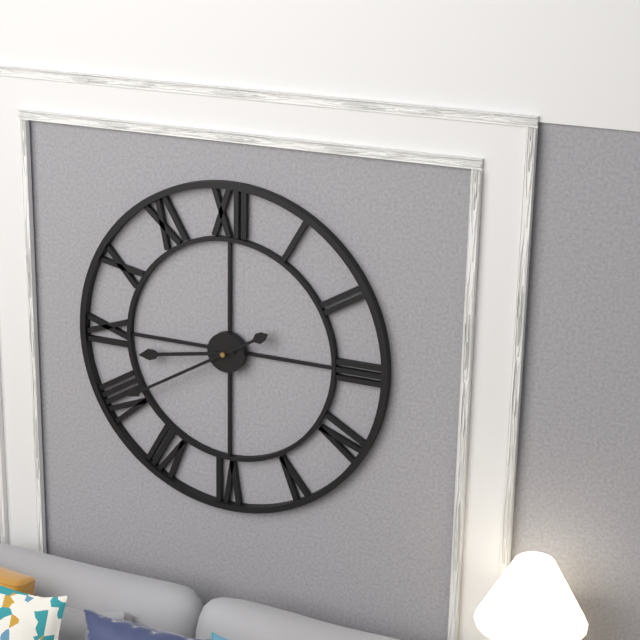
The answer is 8.40
